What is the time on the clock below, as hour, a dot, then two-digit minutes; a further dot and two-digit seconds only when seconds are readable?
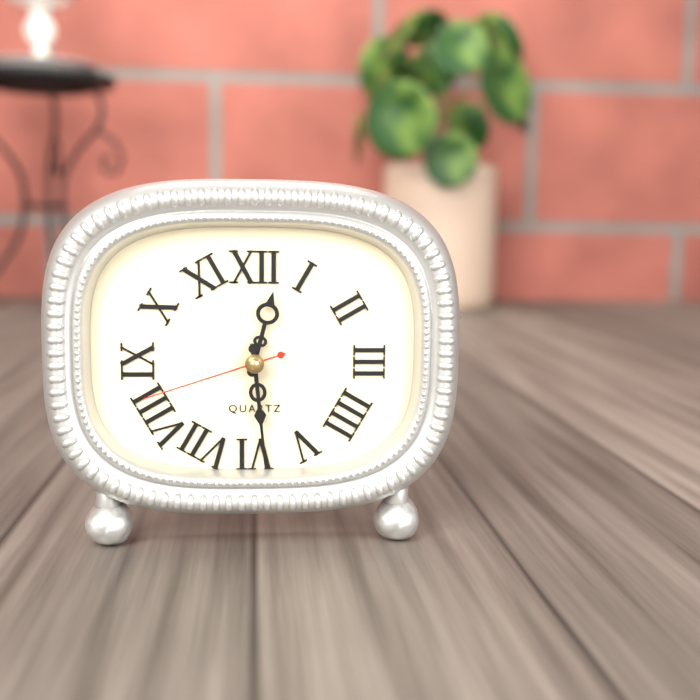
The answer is 12.29.42
